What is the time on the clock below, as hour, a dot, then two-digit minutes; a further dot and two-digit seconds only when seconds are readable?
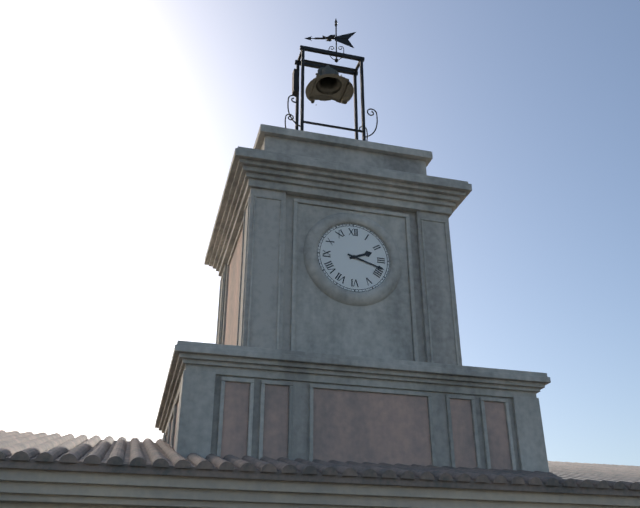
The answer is 2.18
